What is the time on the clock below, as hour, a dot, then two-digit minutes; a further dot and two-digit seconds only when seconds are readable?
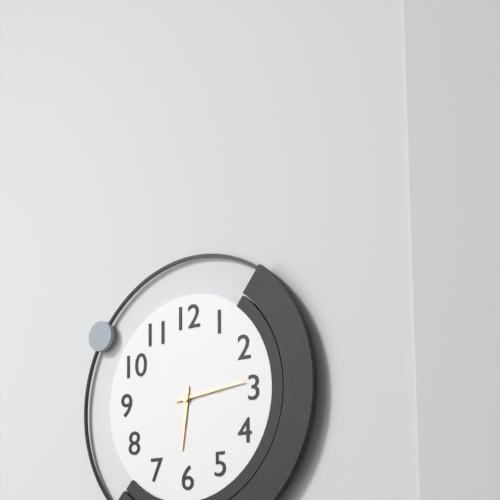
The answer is 6.14
